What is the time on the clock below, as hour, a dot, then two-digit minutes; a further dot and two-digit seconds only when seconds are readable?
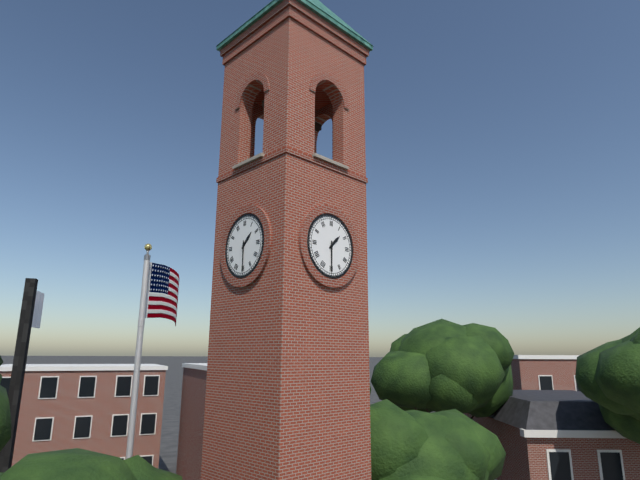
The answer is 1.30
